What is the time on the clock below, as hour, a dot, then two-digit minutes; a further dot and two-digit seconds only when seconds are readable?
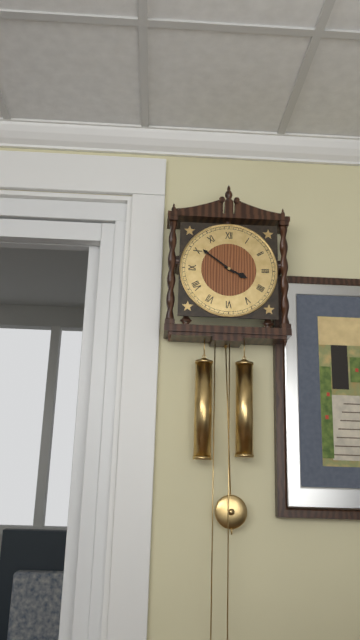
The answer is 3.51
